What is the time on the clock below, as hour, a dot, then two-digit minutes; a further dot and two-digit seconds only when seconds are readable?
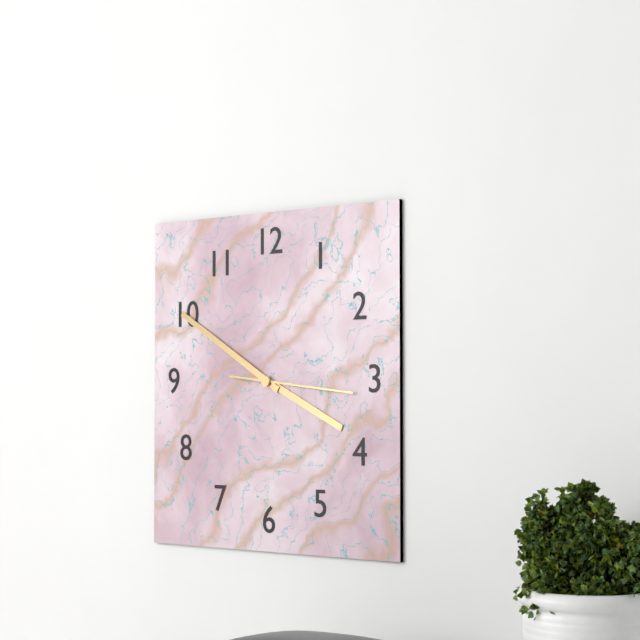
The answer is 3.50.16
